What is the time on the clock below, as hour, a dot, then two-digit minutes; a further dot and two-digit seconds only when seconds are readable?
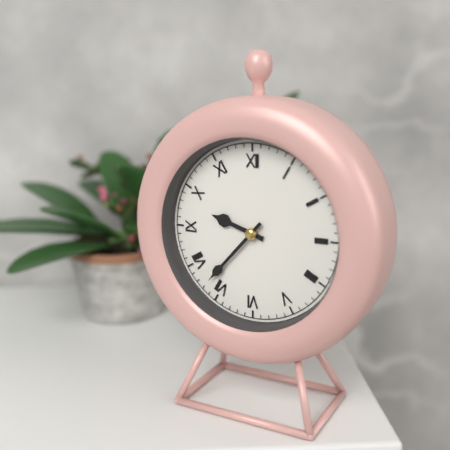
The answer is 9.37
